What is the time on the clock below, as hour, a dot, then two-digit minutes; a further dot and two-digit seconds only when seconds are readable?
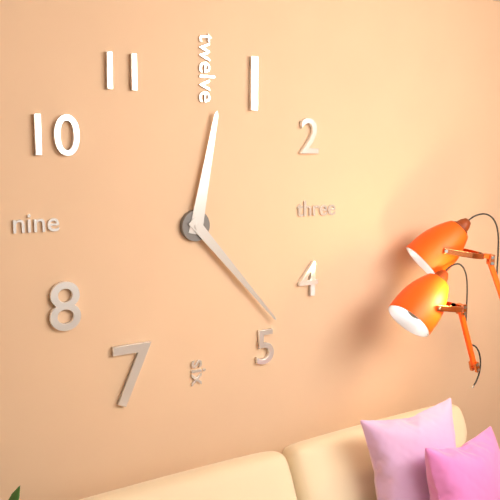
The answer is 12.23
